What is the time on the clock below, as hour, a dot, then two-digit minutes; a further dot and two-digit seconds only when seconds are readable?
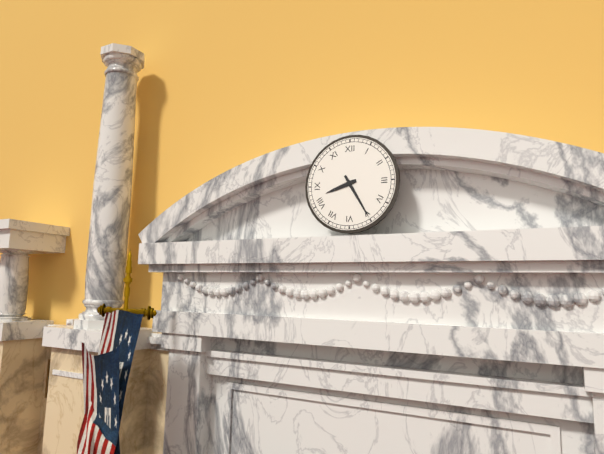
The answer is 8.25
